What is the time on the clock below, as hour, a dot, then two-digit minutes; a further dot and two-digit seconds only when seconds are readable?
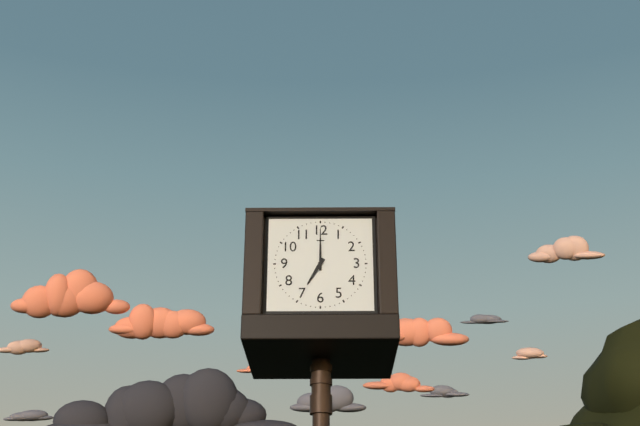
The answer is 7.00
